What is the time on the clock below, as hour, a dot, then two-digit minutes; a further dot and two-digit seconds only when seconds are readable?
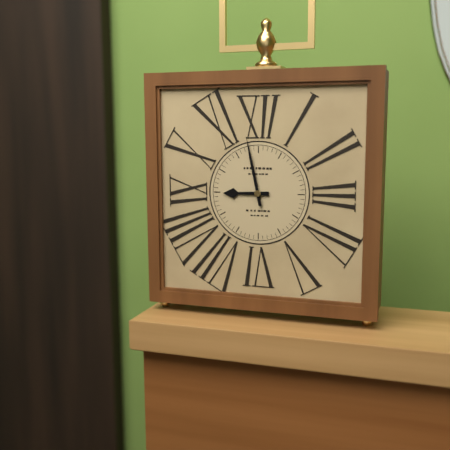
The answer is 8.58
